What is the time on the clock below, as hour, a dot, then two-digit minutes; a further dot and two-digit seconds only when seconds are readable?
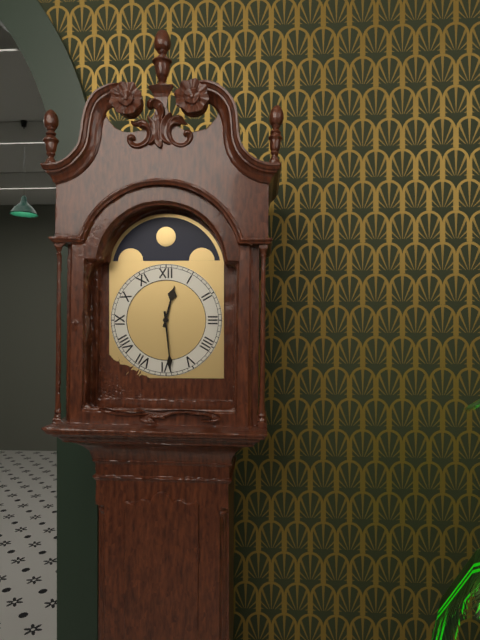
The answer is 12.29
